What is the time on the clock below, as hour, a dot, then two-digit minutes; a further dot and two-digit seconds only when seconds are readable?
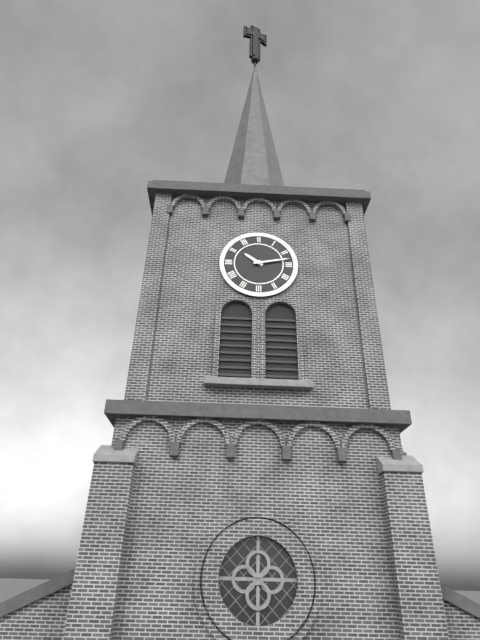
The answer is 10.13
